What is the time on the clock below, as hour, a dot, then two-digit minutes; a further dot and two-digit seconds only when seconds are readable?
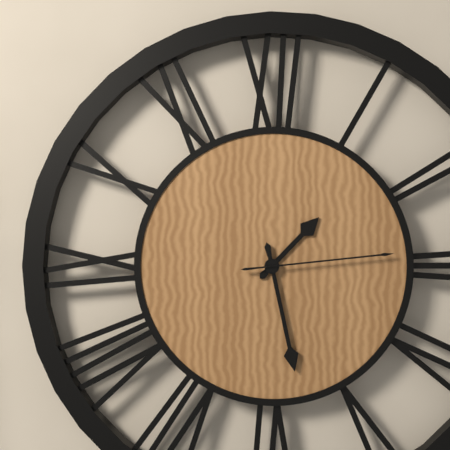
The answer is 1.28.14
